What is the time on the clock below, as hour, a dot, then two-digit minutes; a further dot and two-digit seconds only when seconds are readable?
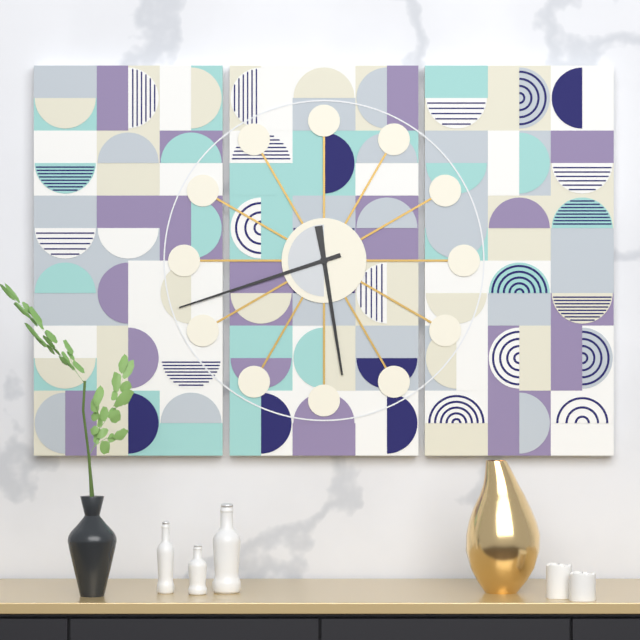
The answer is 5.42
